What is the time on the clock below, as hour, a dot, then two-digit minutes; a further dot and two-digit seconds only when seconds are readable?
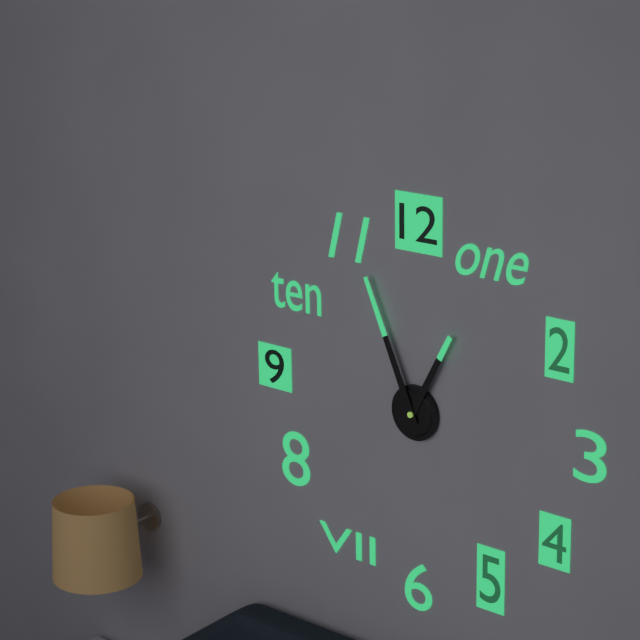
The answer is 12.56
